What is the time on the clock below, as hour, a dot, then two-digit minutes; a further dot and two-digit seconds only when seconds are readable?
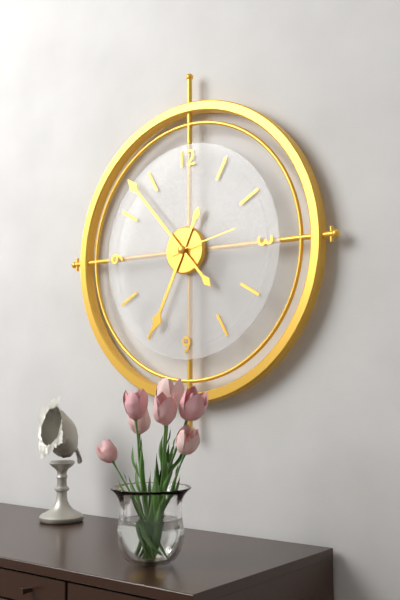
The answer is 6.53.13
